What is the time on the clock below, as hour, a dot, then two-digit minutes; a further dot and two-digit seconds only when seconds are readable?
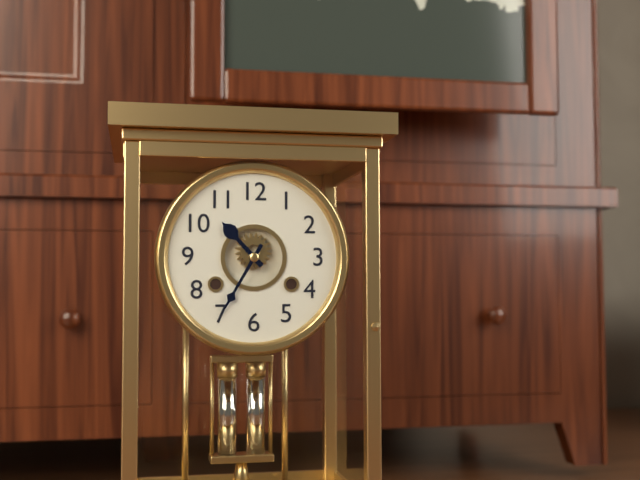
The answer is 10.35
